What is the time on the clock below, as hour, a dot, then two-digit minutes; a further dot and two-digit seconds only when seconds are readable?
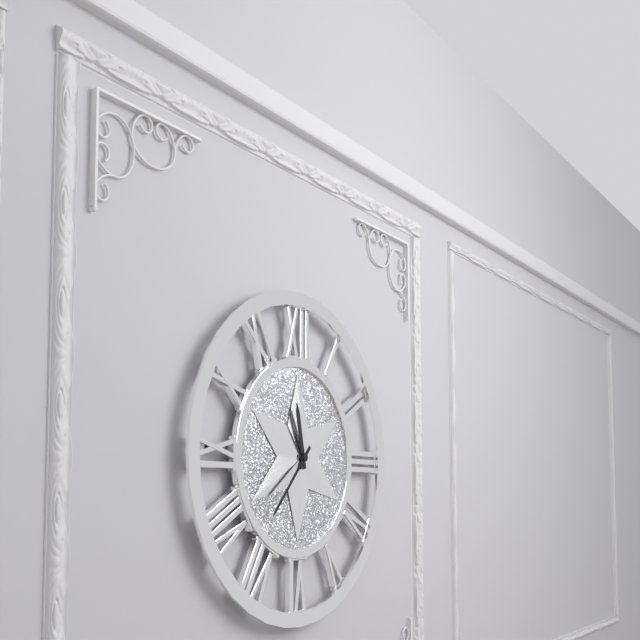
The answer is 11.37
